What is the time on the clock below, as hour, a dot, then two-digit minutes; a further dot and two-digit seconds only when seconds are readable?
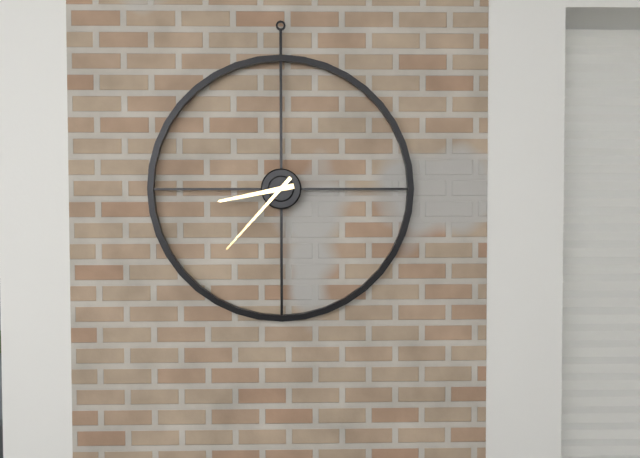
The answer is 8.37
